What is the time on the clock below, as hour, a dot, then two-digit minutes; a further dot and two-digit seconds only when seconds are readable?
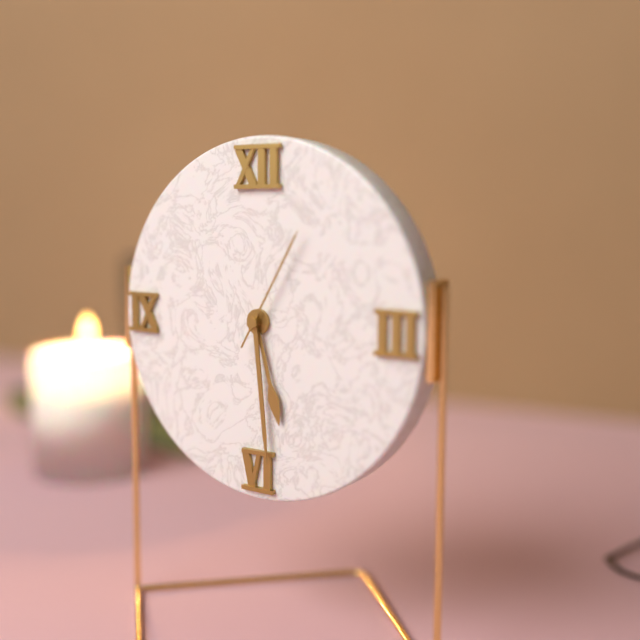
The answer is 5.29.05
